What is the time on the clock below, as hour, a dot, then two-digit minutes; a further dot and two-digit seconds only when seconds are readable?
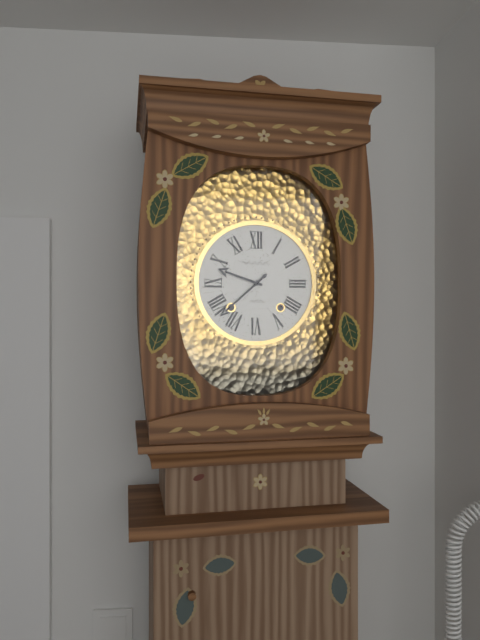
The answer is 9.38
